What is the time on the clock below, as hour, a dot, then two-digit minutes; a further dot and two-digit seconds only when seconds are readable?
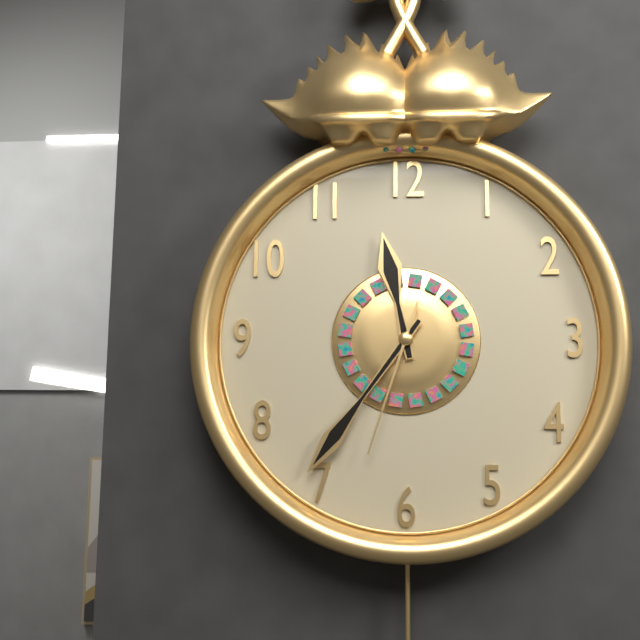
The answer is 11.36.33
